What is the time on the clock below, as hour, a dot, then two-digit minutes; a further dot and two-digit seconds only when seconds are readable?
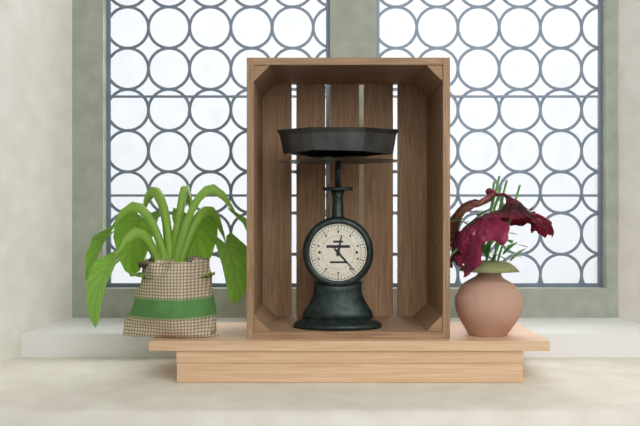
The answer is 12.23
